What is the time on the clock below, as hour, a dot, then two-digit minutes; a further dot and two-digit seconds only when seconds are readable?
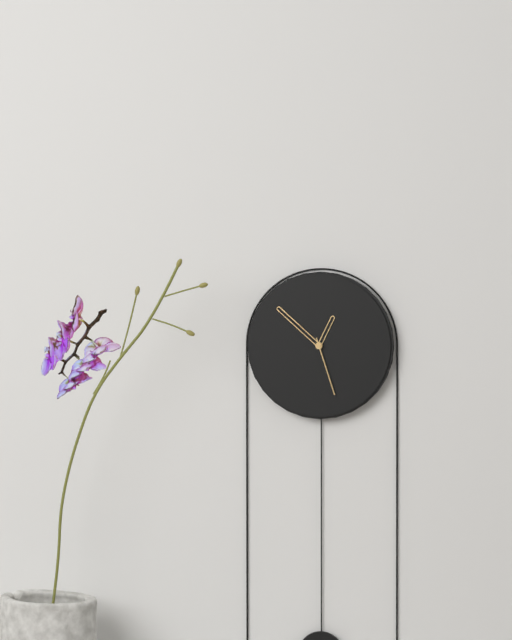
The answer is 12.52.27
